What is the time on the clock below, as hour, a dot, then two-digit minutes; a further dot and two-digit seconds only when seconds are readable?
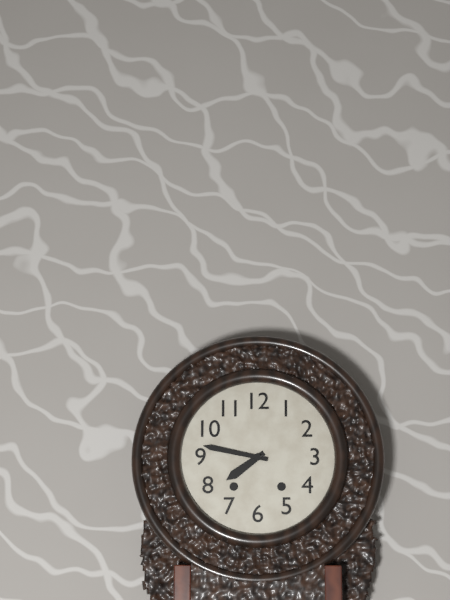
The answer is 7.47
